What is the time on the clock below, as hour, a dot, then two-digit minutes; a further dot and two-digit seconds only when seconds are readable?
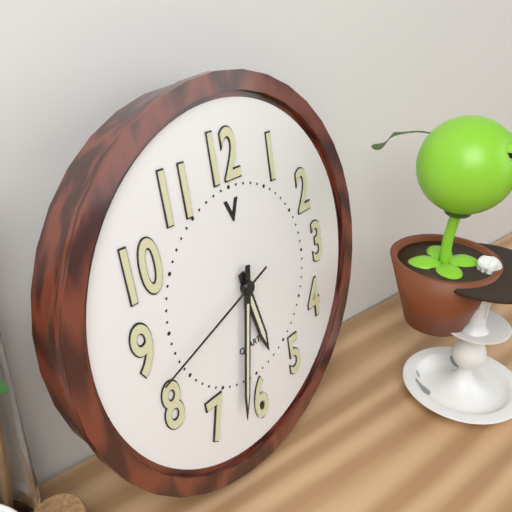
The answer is 5.32.42
